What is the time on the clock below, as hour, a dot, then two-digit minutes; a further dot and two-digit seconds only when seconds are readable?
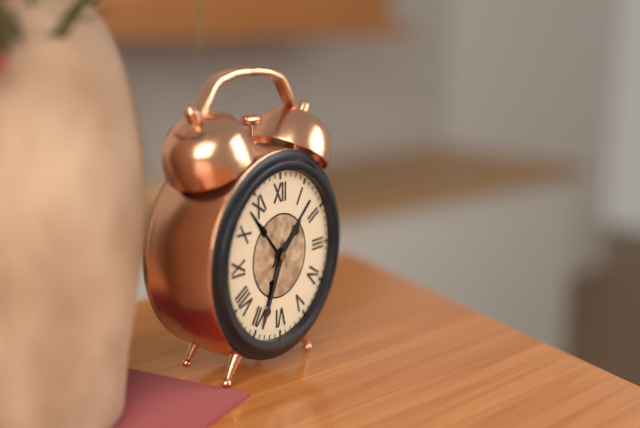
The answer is 1.34
